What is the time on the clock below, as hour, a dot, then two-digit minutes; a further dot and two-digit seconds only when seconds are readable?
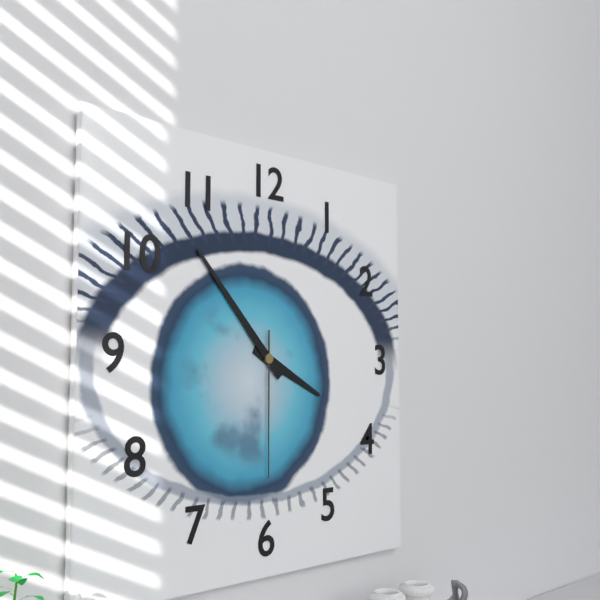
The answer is 3.53.30
